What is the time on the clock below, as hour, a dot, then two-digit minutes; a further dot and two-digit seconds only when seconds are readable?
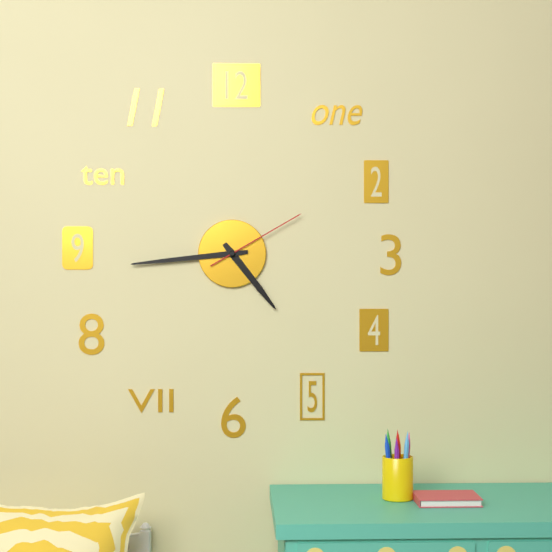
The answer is 4.44.10
